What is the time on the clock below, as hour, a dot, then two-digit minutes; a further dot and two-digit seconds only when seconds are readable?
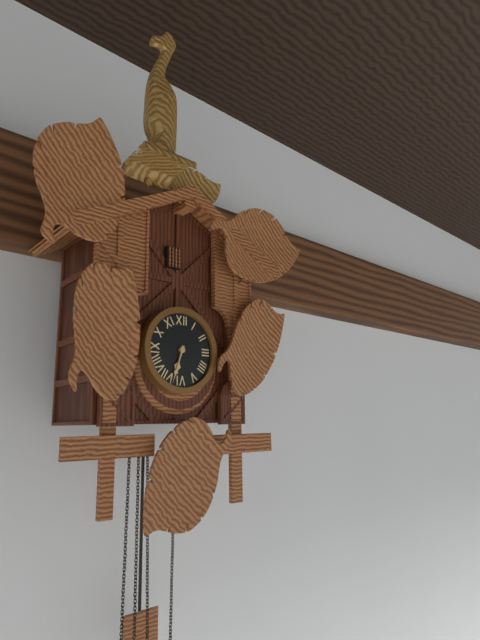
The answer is 6.33
